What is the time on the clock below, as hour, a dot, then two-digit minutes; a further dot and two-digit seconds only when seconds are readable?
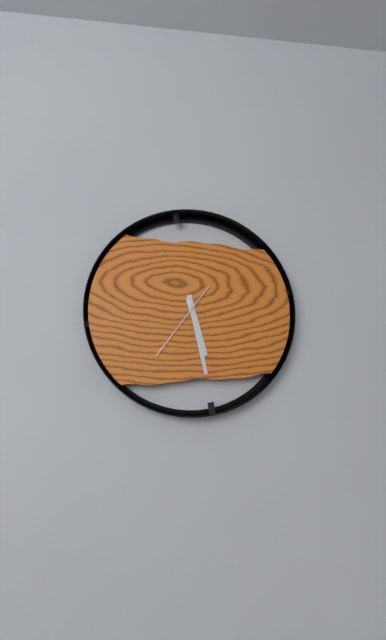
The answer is 5.28.36
